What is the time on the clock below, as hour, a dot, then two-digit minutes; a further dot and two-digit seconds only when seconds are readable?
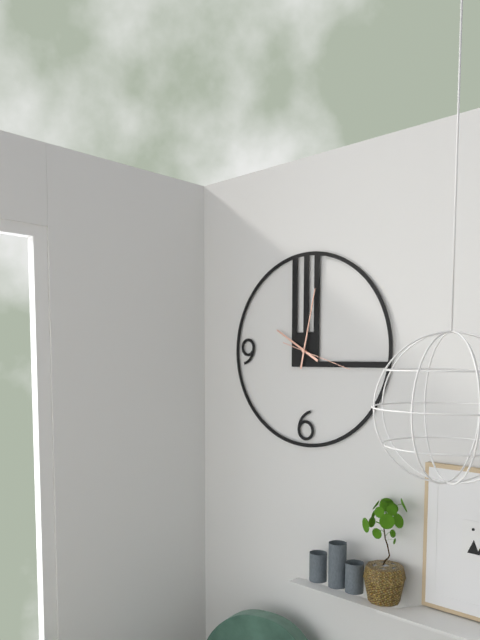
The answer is 10.02.18
